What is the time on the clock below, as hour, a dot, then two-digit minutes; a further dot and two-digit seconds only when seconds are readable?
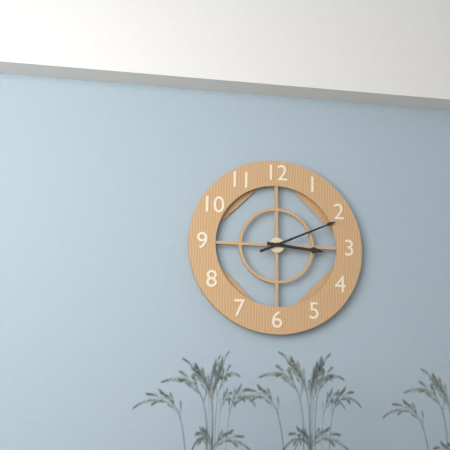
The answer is 3.11
